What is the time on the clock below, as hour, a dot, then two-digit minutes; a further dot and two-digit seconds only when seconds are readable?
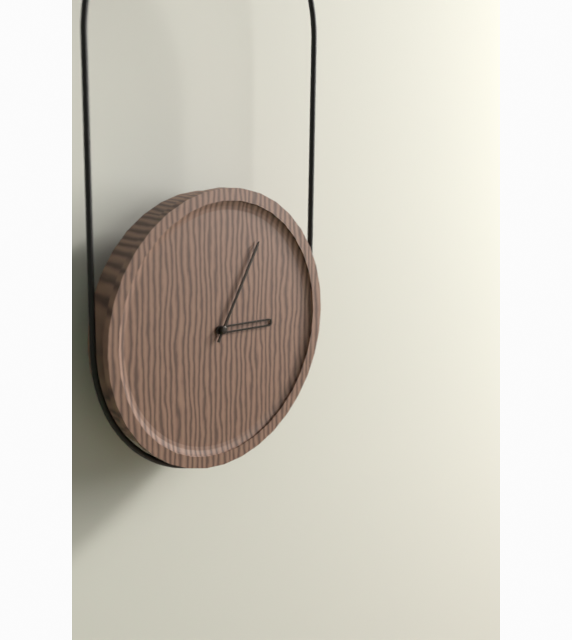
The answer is 3.05
